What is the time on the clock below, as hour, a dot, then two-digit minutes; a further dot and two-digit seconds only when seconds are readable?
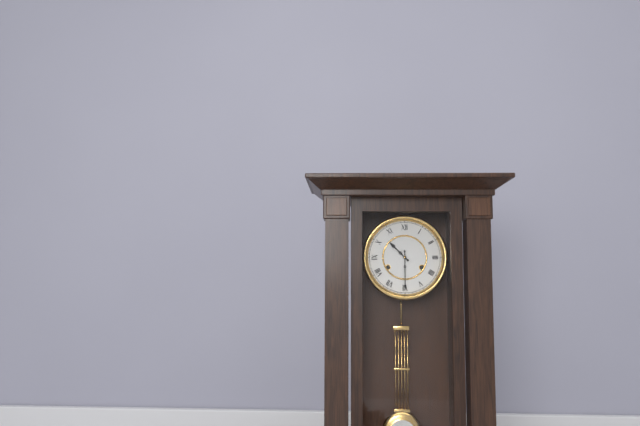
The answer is 10.30
